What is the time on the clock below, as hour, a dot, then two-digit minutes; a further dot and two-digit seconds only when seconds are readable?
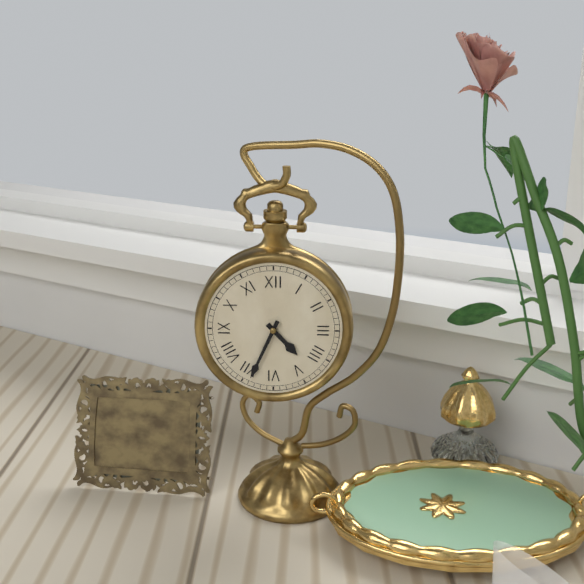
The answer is 4.34
